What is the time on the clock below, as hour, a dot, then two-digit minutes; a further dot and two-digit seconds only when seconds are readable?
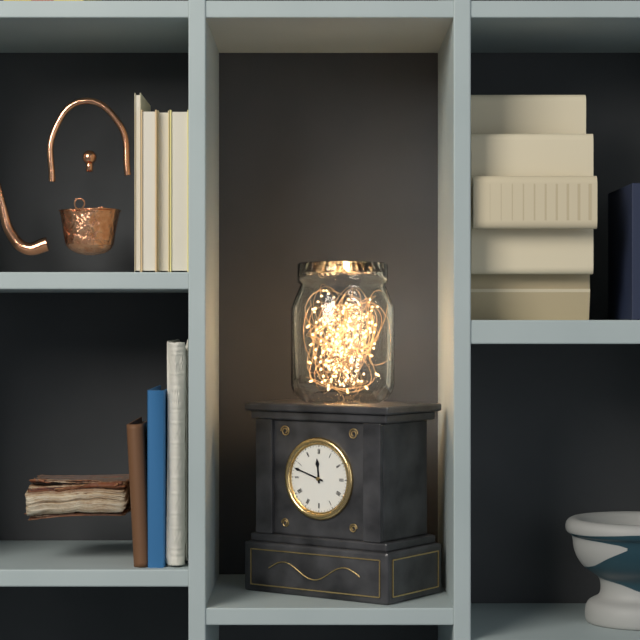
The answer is 11.48
